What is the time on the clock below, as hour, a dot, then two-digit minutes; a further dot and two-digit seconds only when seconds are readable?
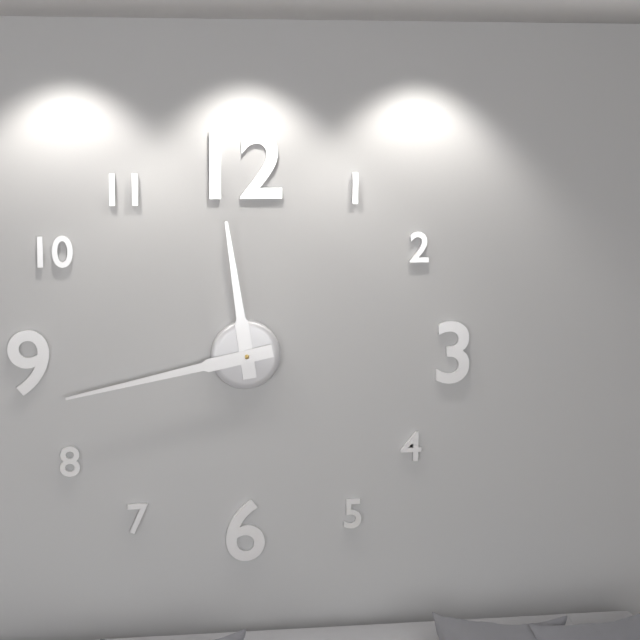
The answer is 11.43
